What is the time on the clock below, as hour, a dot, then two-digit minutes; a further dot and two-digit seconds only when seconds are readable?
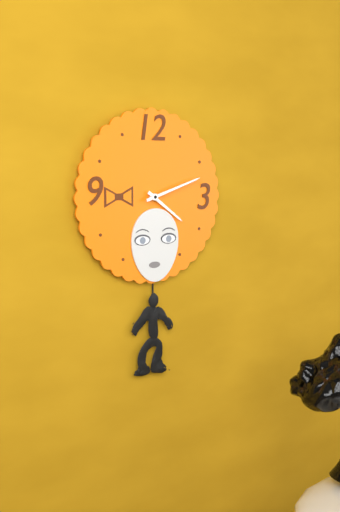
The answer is 4.12
